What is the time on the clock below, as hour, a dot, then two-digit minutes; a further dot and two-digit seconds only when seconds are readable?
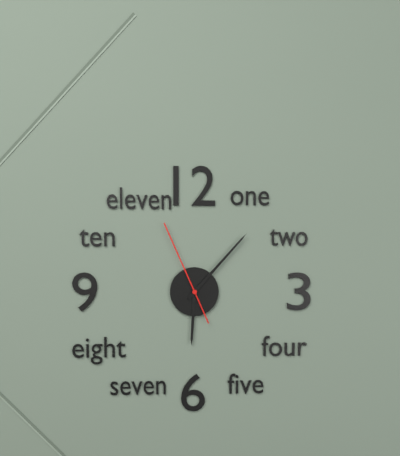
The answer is 6.07.56
